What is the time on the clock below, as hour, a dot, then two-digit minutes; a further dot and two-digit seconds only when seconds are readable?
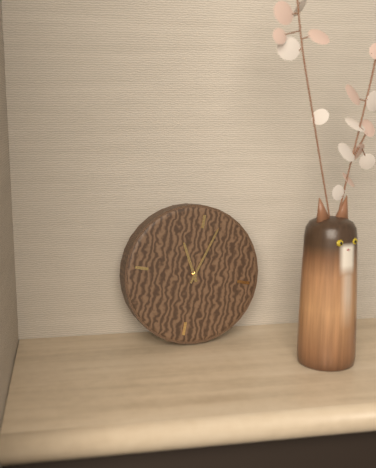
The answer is 11.03
